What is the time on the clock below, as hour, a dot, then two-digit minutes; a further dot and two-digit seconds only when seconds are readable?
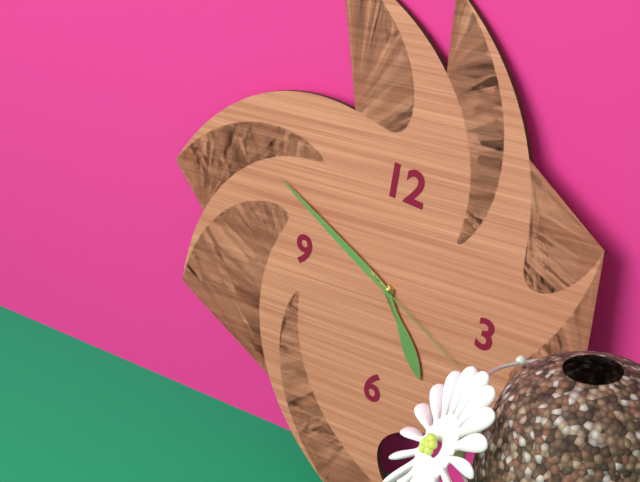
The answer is 4.49.19
